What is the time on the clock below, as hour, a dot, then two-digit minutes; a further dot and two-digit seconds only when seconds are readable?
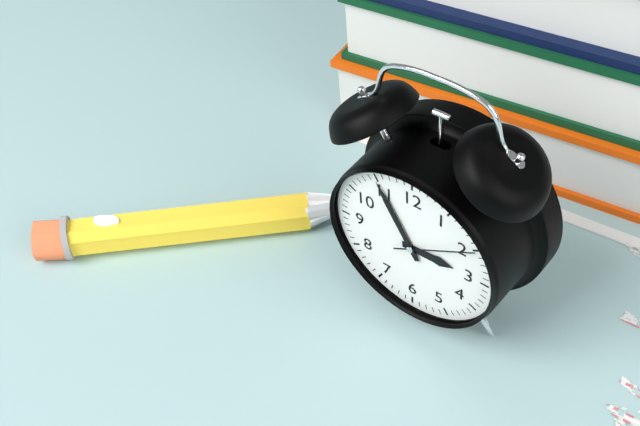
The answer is 2.55.10
